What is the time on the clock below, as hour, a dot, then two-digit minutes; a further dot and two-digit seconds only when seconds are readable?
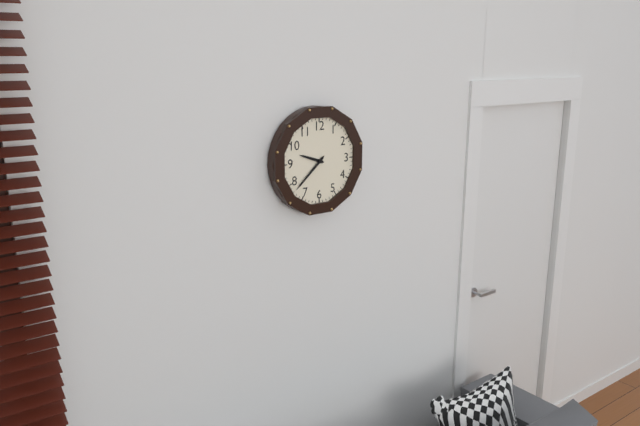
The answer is 9.38
